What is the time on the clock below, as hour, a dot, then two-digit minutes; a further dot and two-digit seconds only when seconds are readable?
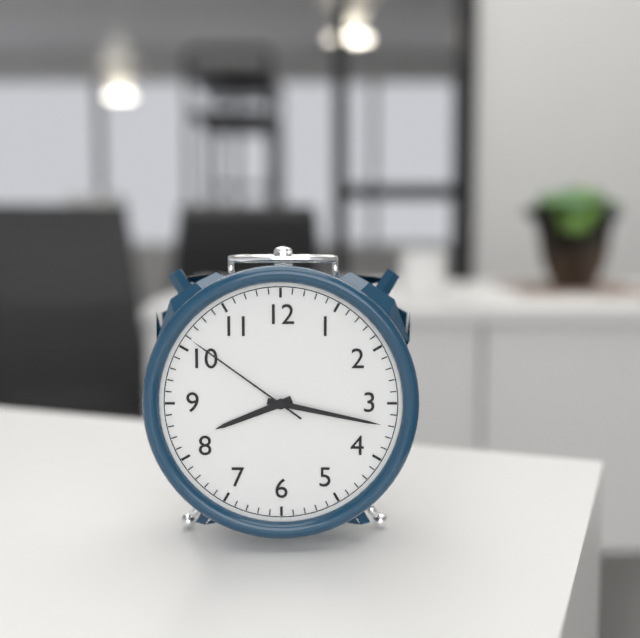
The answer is 8.17.51
